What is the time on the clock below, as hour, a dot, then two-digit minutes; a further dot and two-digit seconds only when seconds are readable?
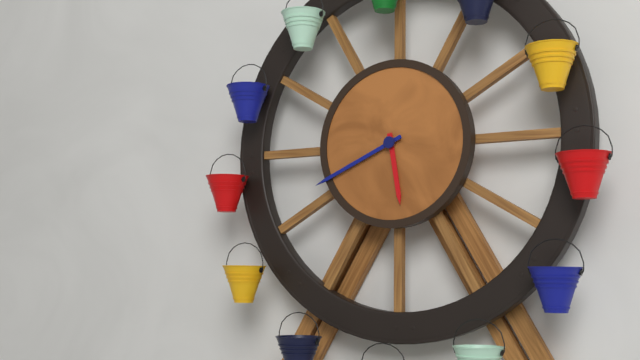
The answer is 5.41
